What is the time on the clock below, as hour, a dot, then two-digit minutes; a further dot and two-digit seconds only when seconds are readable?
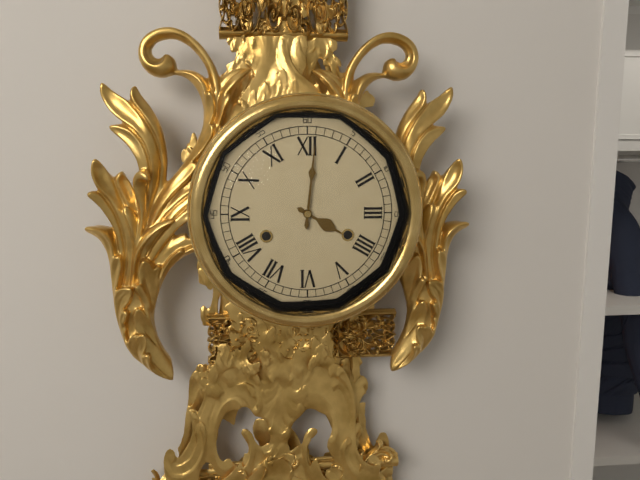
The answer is 4.01
